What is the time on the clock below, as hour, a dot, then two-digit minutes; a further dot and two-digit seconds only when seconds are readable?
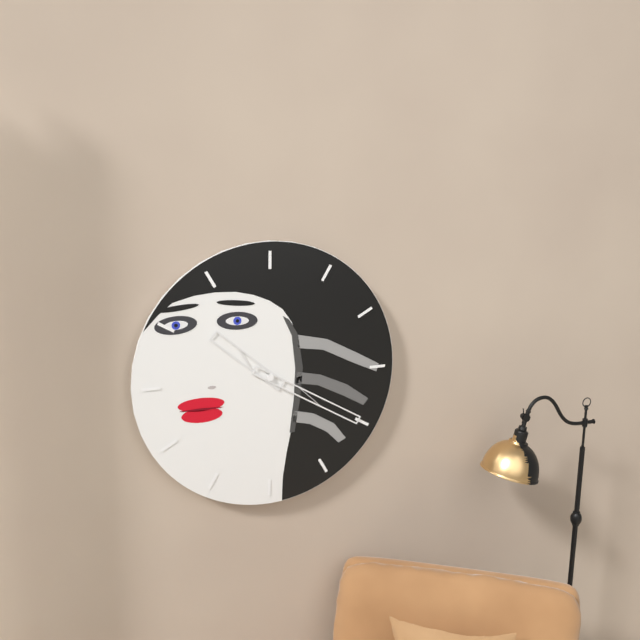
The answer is 10.20
